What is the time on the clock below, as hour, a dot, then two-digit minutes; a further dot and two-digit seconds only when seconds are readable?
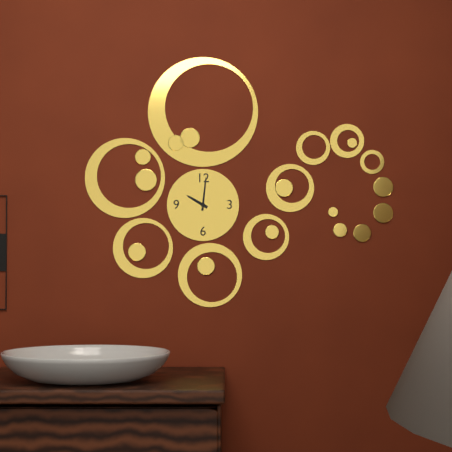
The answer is 10.01
